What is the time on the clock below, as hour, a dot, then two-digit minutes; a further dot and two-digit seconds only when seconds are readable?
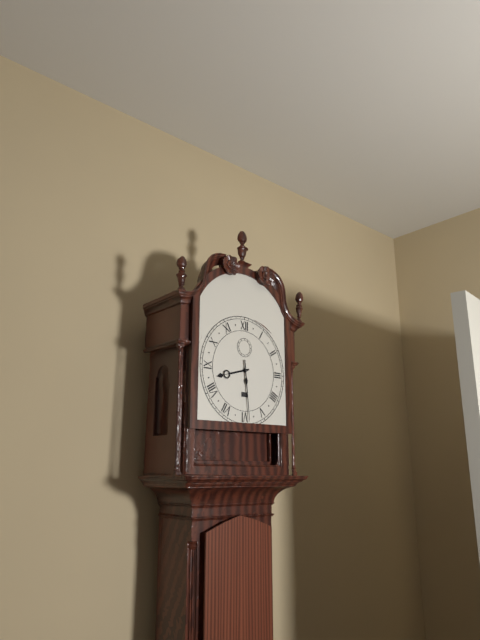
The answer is 8.29
